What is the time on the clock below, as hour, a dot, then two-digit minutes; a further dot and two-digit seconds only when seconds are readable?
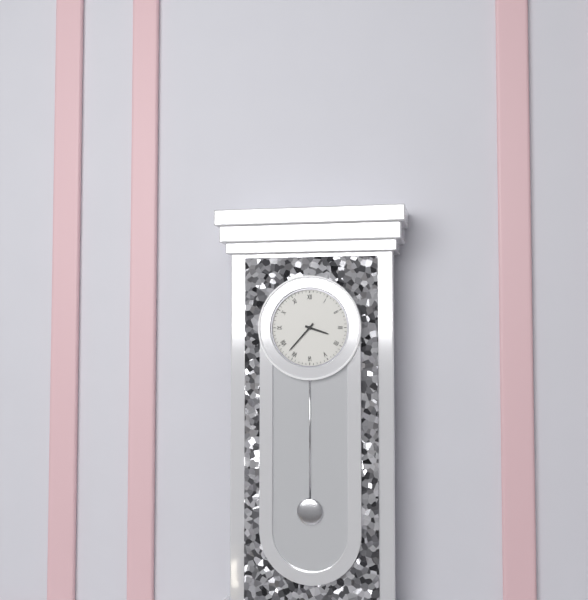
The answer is 3.37
